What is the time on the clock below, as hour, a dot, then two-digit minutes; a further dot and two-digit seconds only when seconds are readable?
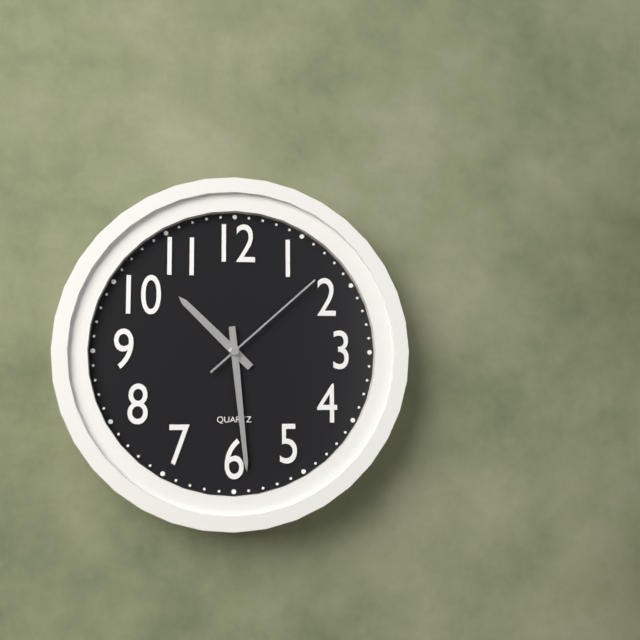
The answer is 10.29.08
